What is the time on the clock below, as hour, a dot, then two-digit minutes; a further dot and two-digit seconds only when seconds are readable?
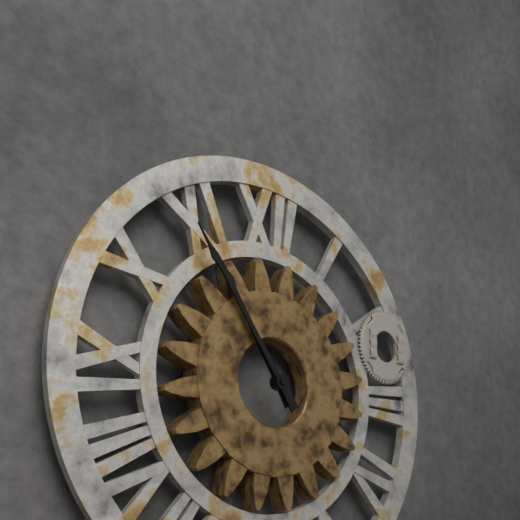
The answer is 10.54
